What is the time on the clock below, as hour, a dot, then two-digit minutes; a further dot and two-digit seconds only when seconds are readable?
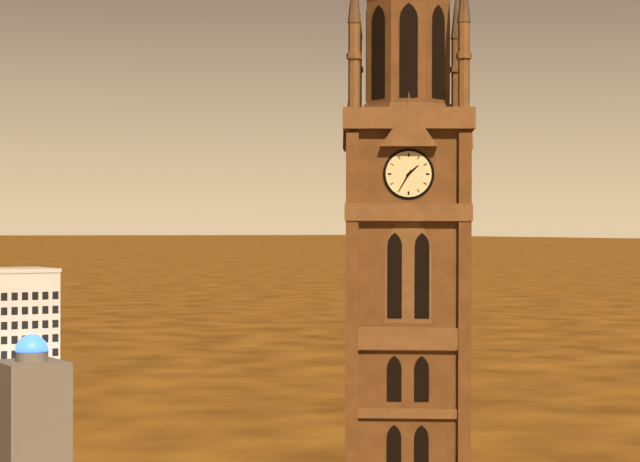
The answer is 1.35
